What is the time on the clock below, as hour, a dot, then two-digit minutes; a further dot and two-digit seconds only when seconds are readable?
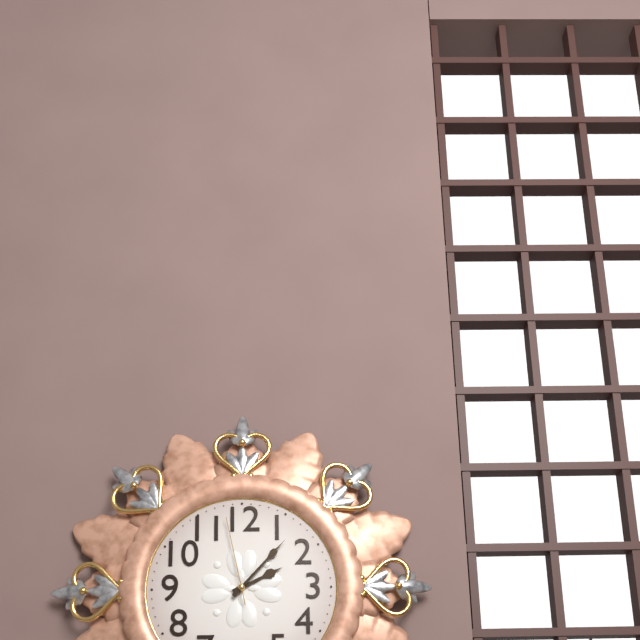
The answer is 2.07.58
